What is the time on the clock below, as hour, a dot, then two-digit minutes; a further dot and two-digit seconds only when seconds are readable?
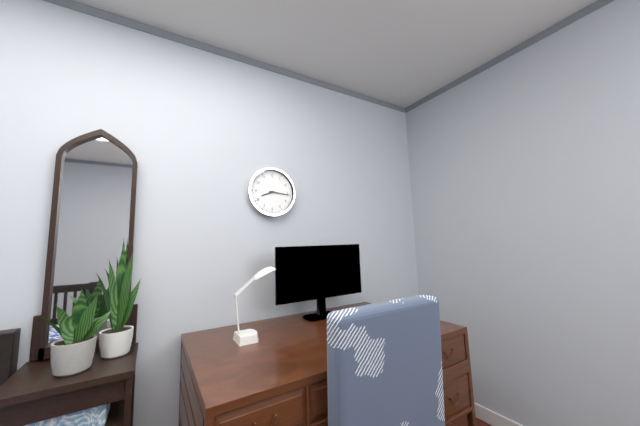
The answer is 8.16
